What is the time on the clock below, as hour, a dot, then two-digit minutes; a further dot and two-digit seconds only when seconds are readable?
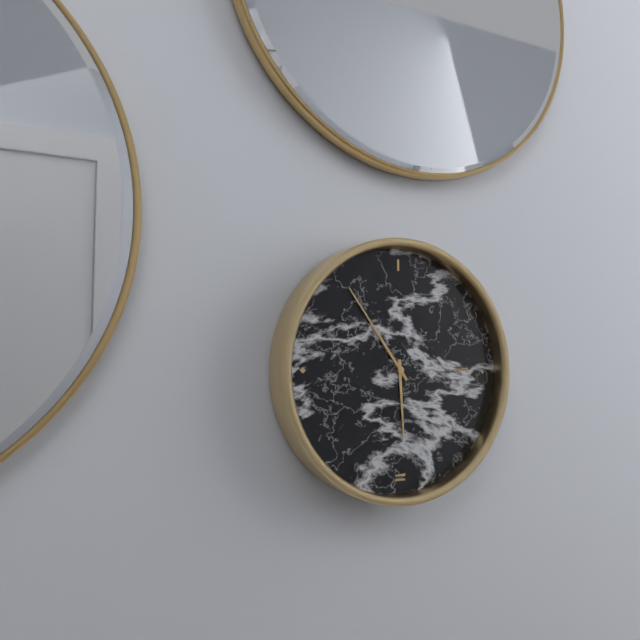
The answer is 5.54
